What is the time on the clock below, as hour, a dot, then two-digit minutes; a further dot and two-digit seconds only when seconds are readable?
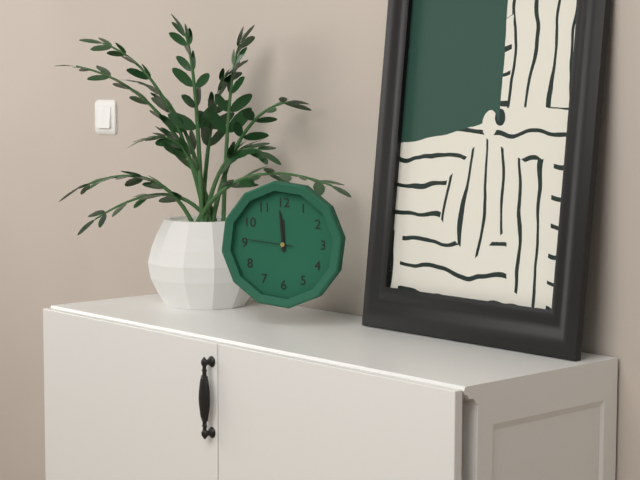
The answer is 11.59
